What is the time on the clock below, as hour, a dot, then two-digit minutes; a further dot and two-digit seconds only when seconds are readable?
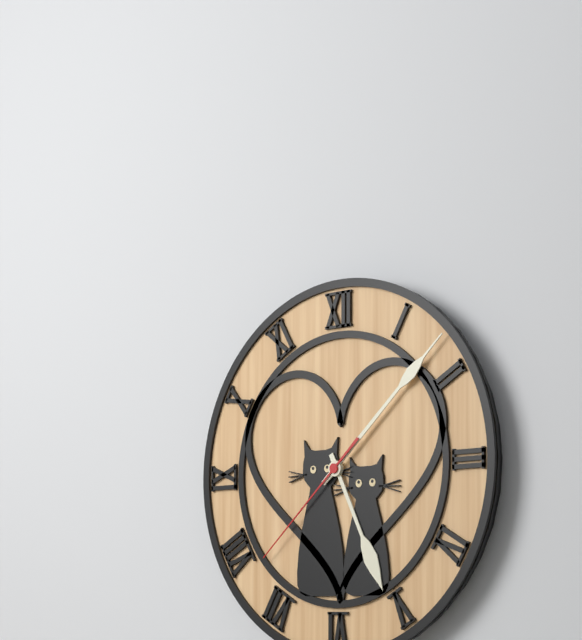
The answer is 5.08.38
